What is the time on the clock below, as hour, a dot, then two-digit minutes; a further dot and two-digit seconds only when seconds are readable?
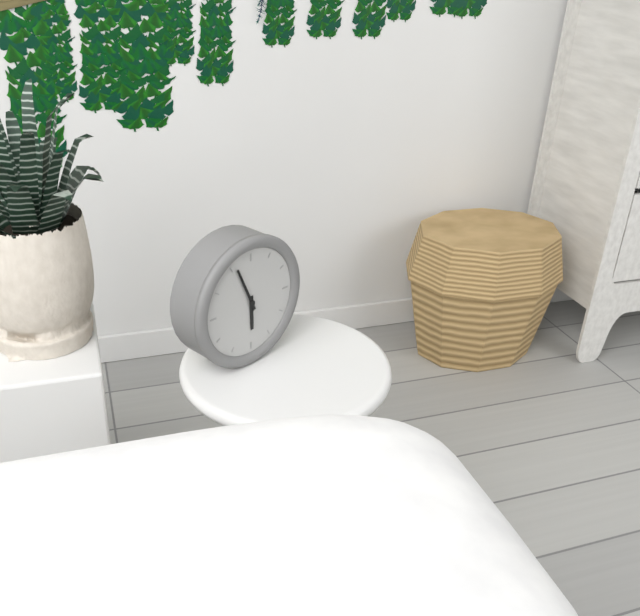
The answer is 5.56
